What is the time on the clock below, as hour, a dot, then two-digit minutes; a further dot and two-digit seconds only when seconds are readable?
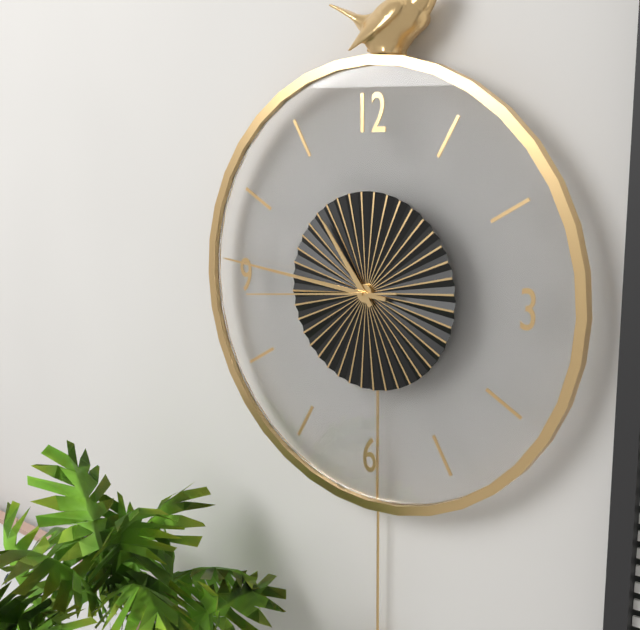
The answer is 10.46.44
